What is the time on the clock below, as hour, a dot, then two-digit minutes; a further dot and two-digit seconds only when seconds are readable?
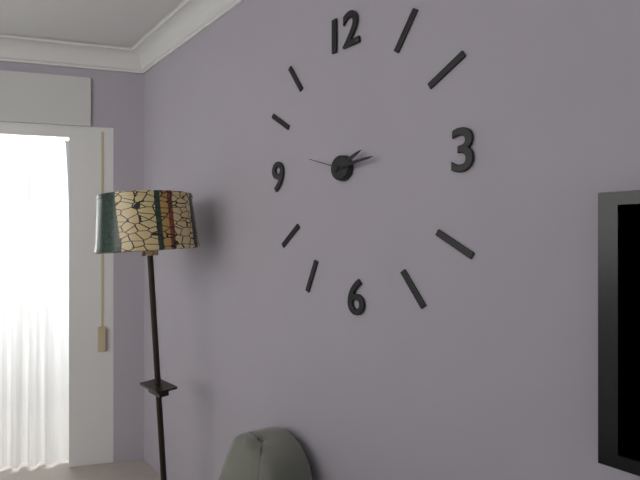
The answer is 2.14
